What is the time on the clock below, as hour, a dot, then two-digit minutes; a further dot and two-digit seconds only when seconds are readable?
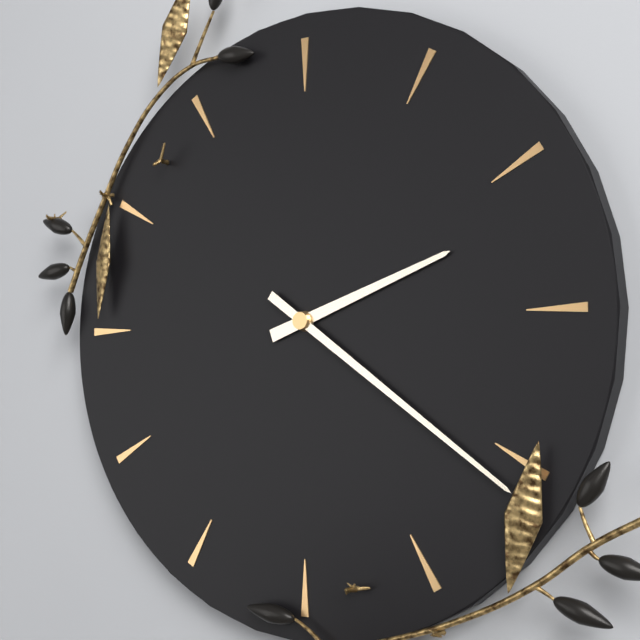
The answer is 2.21
